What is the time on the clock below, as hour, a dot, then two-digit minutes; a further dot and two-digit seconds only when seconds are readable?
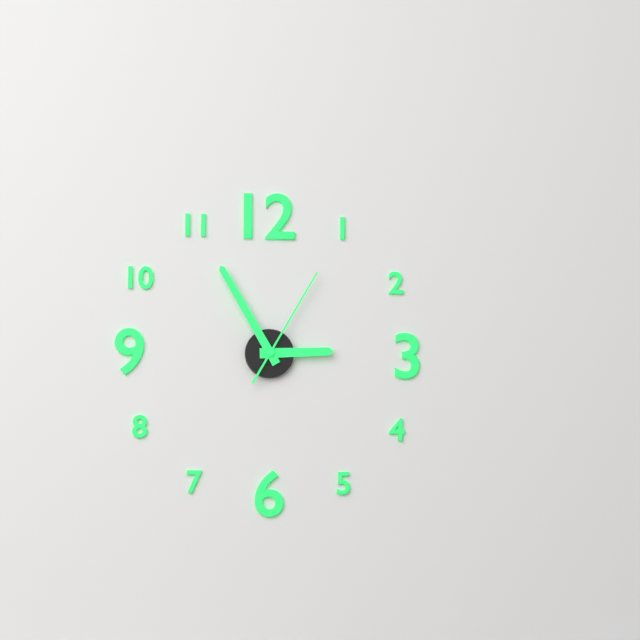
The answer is 2.55.05
